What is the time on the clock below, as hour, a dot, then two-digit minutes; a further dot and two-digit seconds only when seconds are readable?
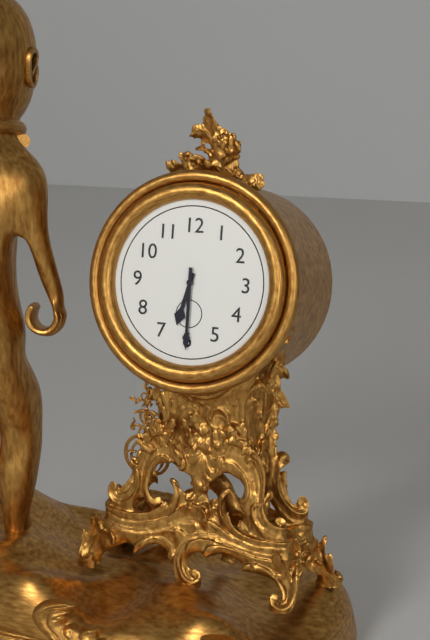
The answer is 6.30
